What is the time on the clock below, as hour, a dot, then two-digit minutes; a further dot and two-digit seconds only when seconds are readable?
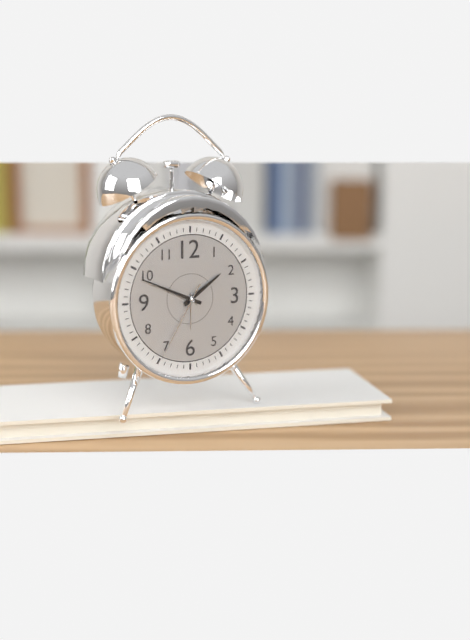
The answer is 1.49.35
